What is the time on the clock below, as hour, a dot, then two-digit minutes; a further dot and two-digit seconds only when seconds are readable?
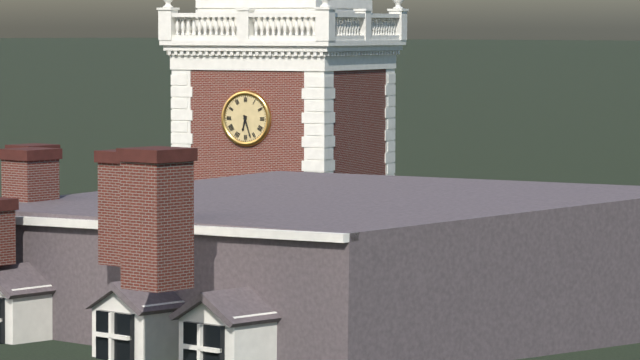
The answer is 6.27
